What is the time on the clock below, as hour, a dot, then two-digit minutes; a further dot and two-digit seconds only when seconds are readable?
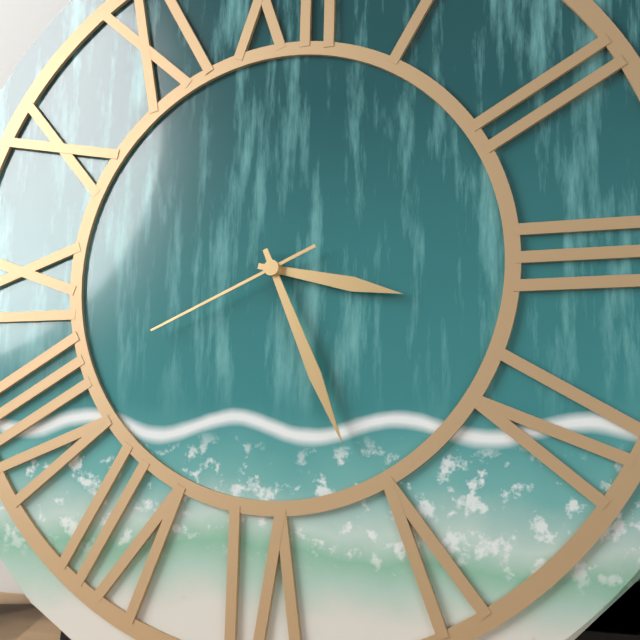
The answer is 3.26.41
